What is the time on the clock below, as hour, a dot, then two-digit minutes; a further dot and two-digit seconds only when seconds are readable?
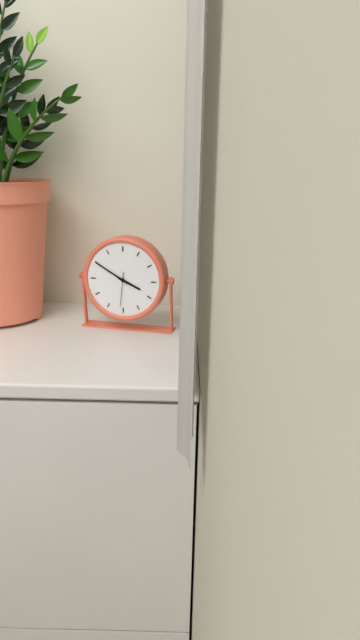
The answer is 3.50
